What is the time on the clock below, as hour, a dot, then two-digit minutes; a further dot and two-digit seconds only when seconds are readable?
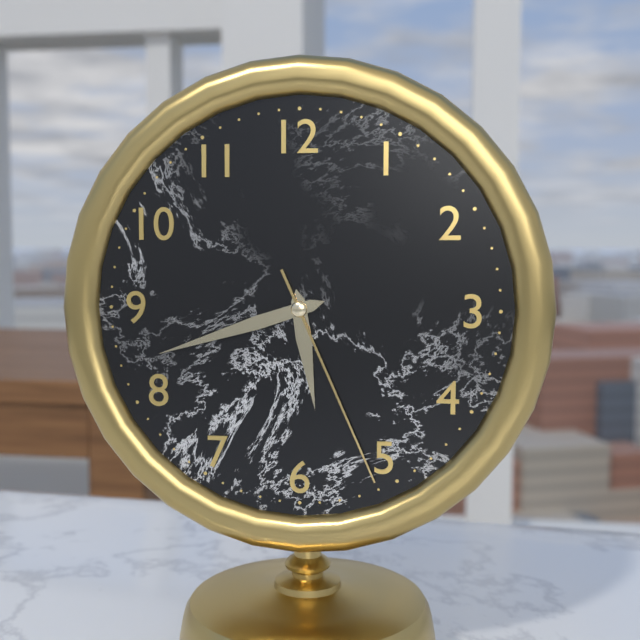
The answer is 5.42.26
